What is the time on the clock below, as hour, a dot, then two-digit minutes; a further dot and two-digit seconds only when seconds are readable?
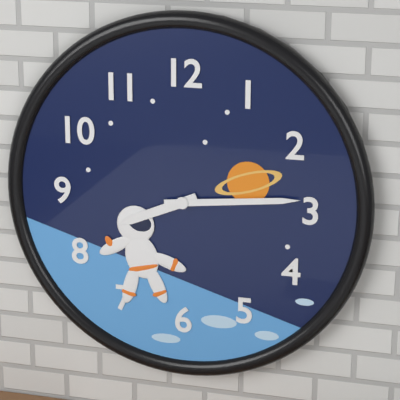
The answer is 8.14
